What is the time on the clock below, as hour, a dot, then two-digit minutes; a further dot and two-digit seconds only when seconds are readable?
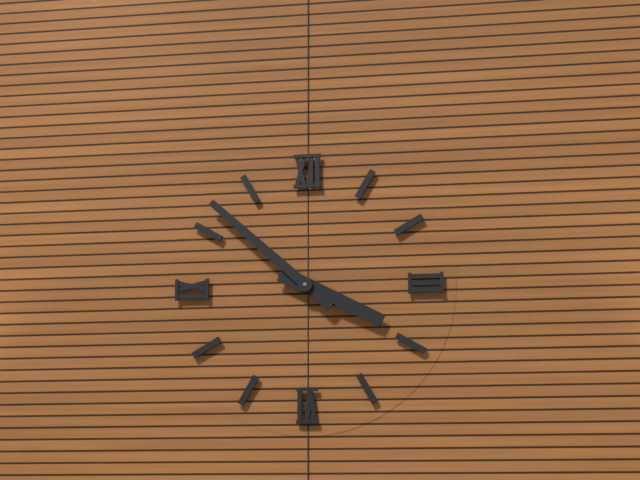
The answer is 3.52
